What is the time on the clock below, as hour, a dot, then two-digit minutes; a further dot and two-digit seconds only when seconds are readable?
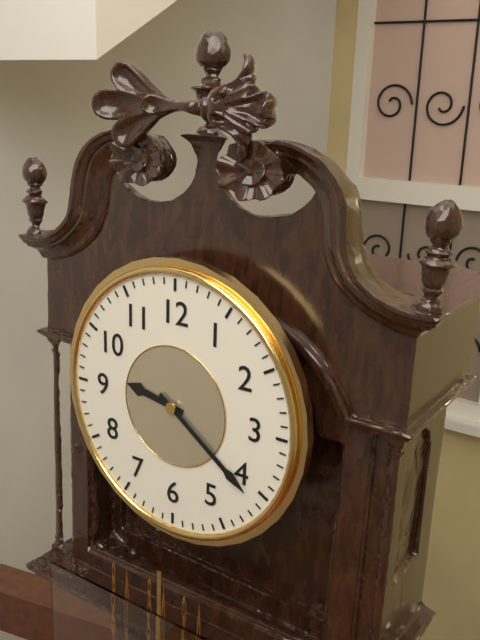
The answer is 9.21
